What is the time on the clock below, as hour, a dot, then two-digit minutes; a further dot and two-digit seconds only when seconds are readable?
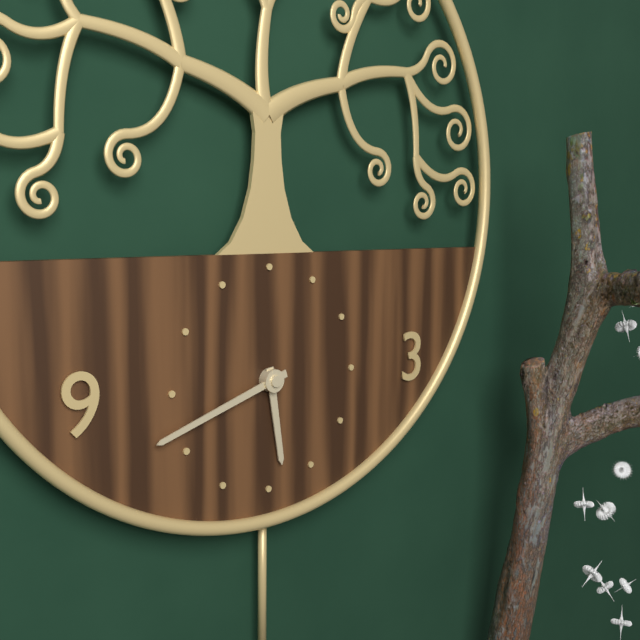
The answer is 5.42
